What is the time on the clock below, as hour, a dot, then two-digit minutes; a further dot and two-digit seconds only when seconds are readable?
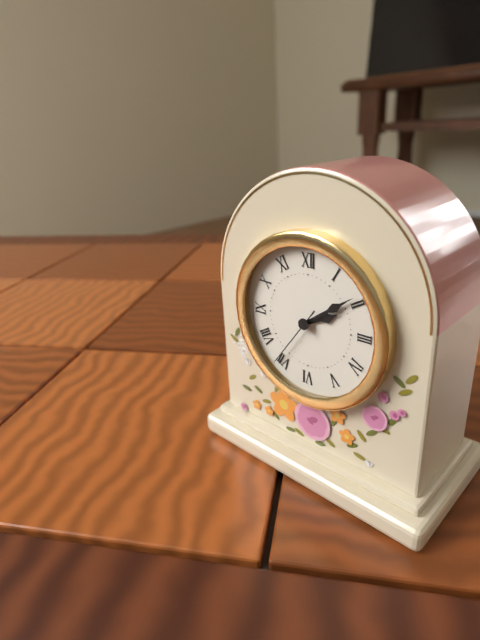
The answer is 2.09.36
